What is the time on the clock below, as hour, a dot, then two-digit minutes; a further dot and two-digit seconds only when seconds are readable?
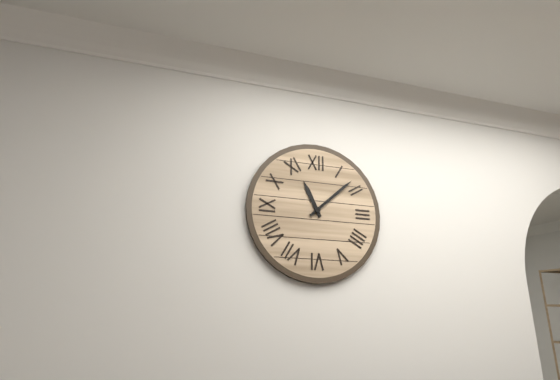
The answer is 11.08
